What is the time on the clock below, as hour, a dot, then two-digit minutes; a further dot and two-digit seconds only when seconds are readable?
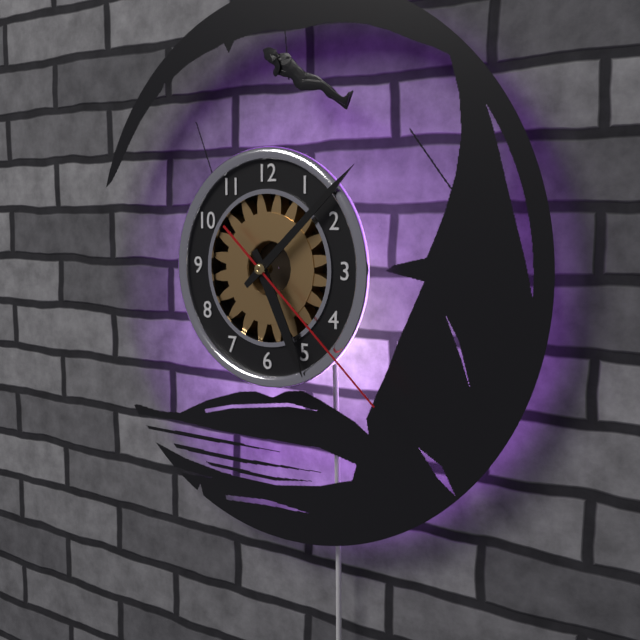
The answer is 5.08.22
